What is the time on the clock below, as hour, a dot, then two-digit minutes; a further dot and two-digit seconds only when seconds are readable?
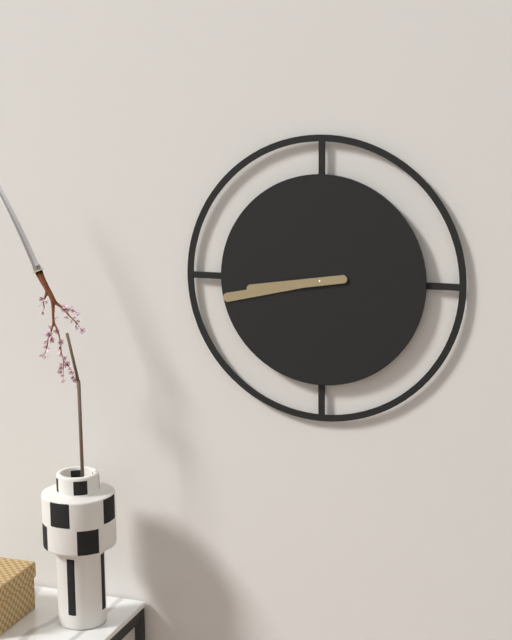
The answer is 8.43
